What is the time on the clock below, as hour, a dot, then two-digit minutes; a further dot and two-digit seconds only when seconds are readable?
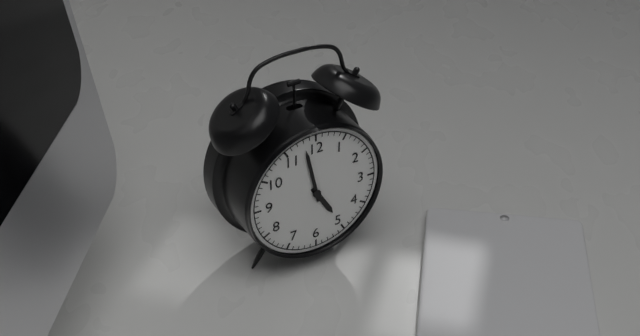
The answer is 4.58
